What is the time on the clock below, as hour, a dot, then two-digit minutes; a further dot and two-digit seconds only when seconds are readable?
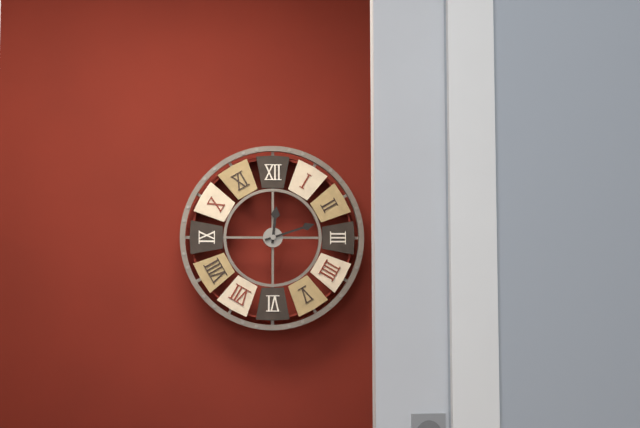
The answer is 12.12
